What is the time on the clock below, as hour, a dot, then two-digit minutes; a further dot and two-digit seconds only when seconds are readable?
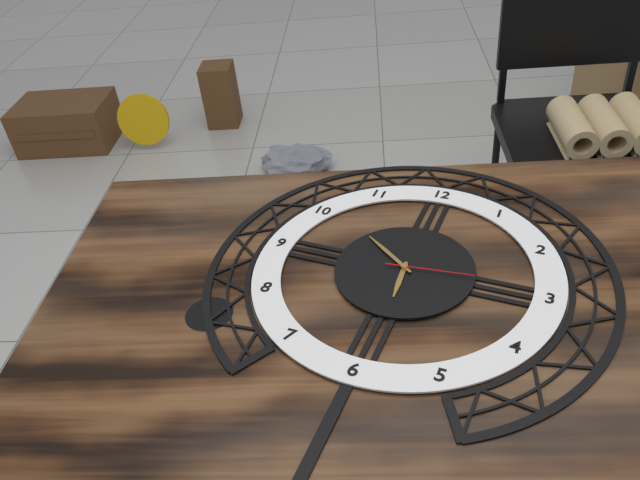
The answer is 5.51.14
